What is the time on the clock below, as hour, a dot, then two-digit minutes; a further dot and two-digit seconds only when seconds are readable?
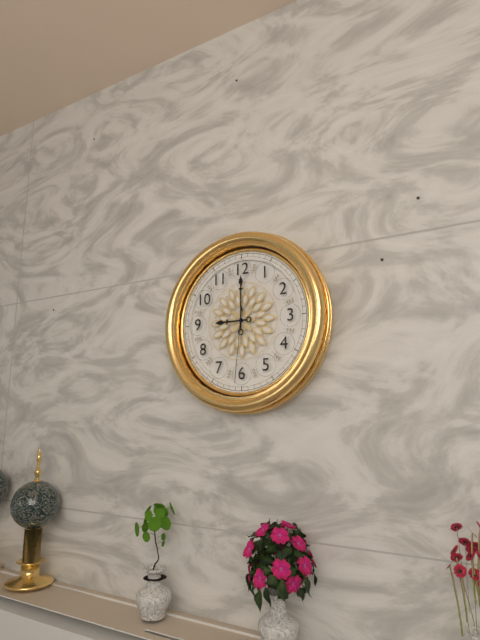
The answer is 9.00.31
